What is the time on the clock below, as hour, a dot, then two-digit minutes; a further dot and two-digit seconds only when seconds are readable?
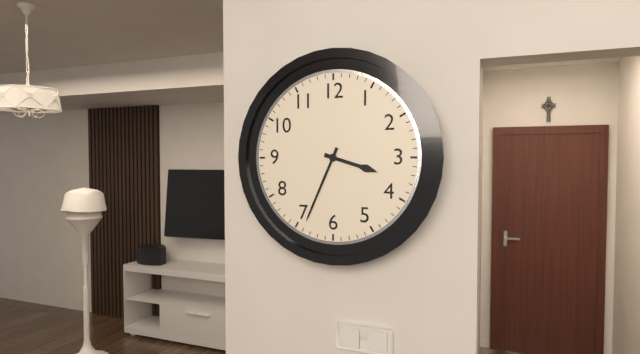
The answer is 3.34
